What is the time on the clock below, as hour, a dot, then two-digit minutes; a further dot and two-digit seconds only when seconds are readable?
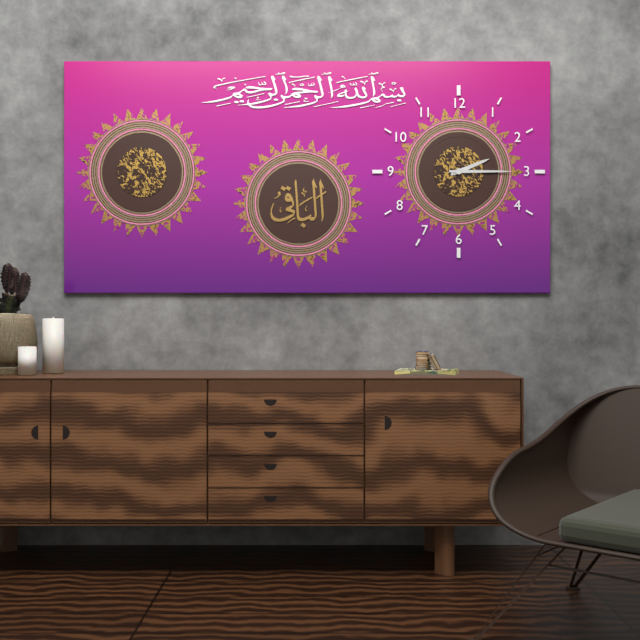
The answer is 2.15
